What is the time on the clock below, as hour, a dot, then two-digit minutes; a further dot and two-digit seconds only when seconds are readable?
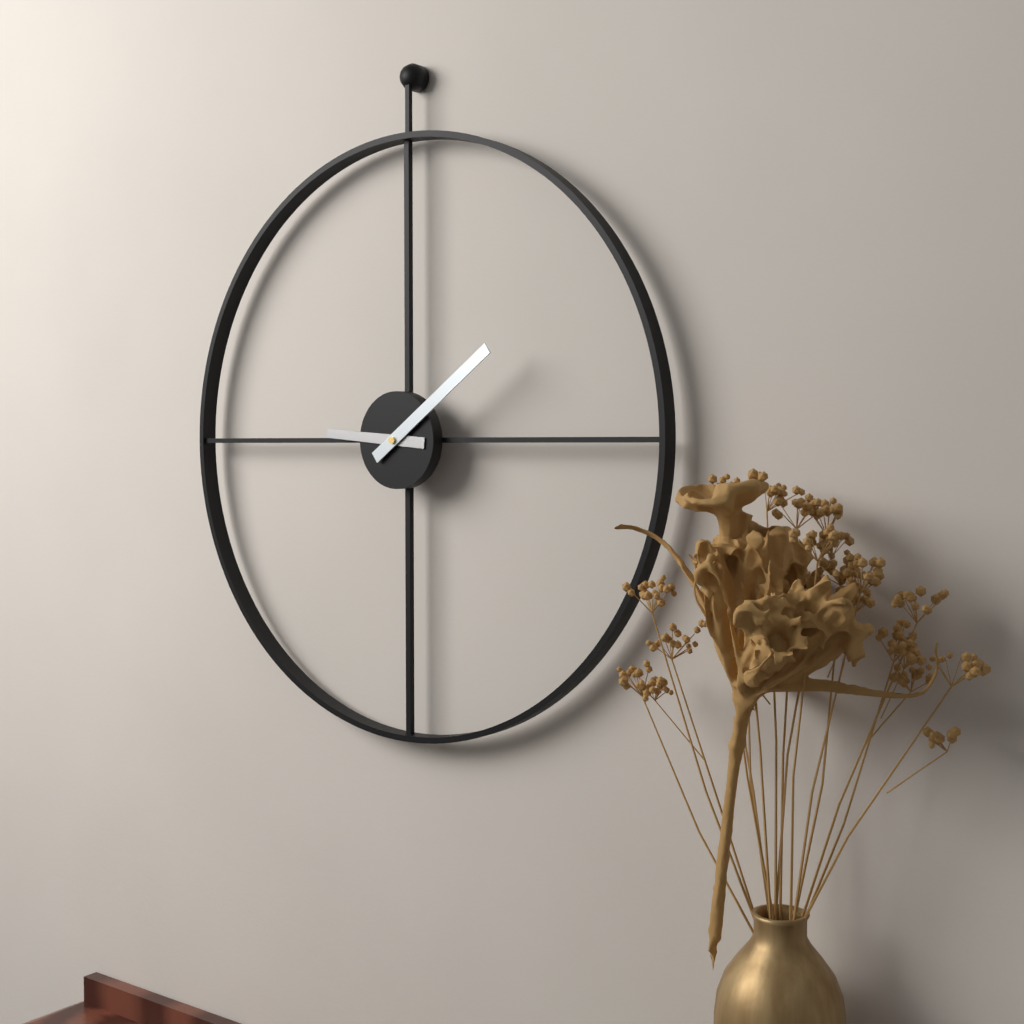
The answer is 9.09
